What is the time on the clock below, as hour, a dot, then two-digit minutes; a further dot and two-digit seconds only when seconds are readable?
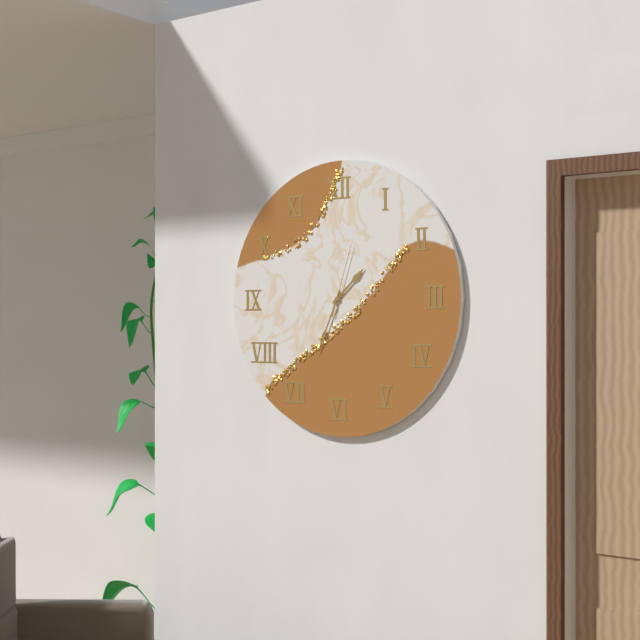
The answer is 1.34.03
